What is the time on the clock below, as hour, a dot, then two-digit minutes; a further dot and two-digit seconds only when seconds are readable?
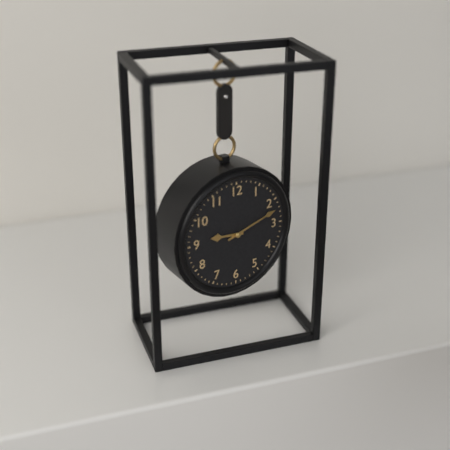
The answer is 9.12
